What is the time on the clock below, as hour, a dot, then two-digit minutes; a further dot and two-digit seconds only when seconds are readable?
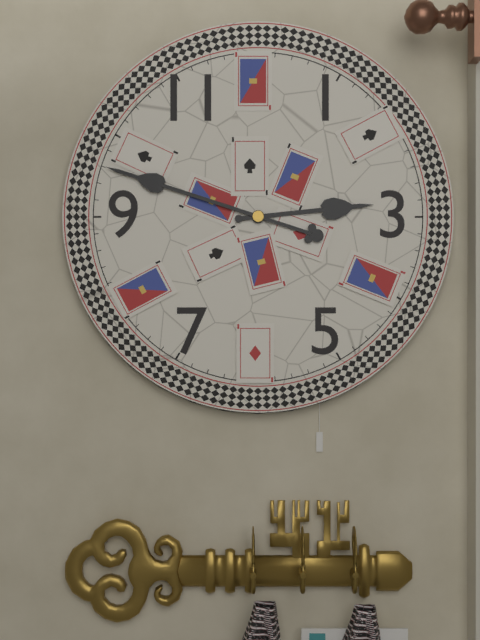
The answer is 2.48
